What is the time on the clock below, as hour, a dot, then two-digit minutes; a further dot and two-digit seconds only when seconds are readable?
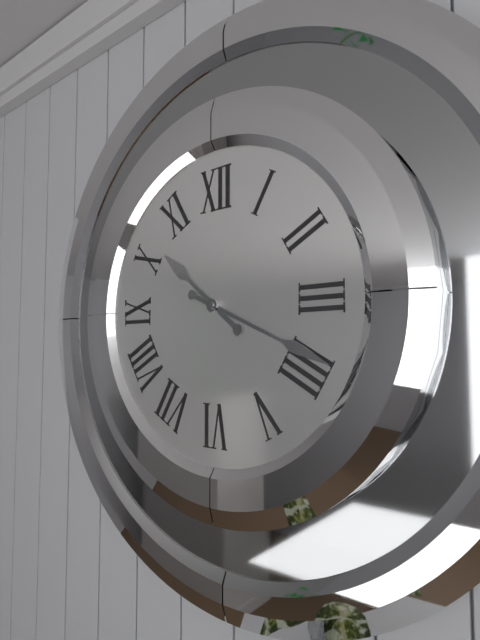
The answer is 10.19
